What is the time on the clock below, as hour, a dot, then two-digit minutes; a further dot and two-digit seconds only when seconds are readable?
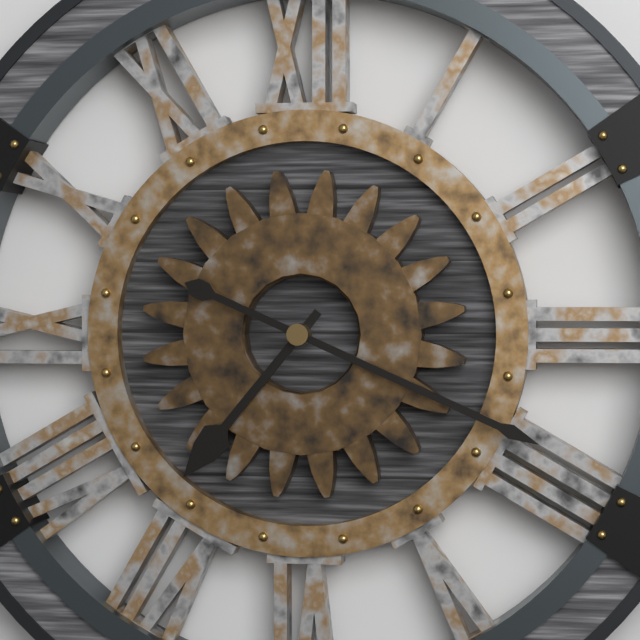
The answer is 7.19
